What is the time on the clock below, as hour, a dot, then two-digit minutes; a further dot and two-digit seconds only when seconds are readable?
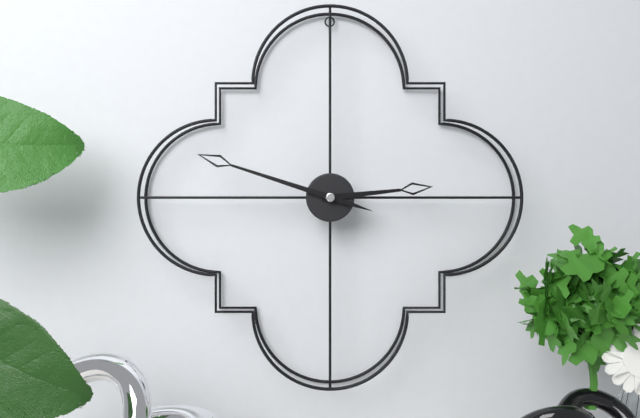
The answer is 2.48
